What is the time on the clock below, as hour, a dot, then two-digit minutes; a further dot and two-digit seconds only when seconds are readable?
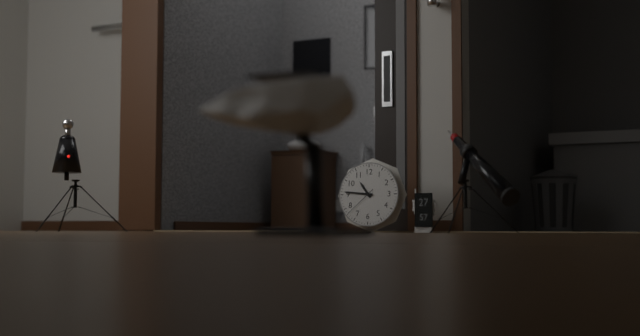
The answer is 10.46
